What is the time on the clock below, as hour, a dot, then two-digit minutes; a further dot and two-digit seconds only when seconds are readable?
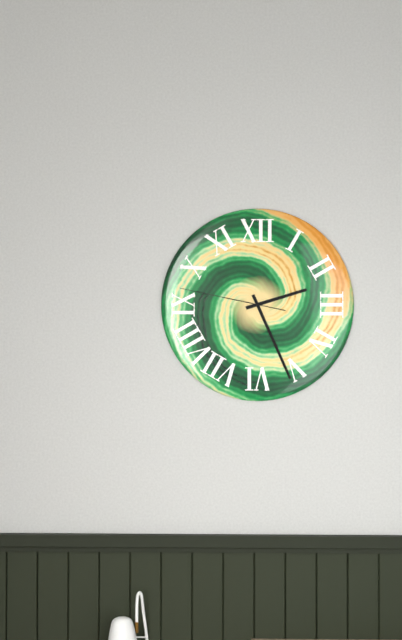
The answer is 2.26.47
